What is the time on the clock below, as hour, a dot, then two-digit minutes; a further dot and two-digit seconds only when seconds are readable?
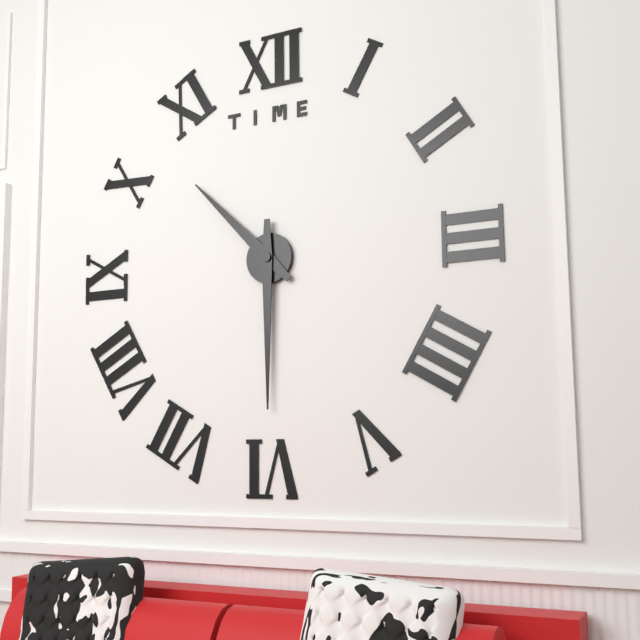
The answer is 10.30
